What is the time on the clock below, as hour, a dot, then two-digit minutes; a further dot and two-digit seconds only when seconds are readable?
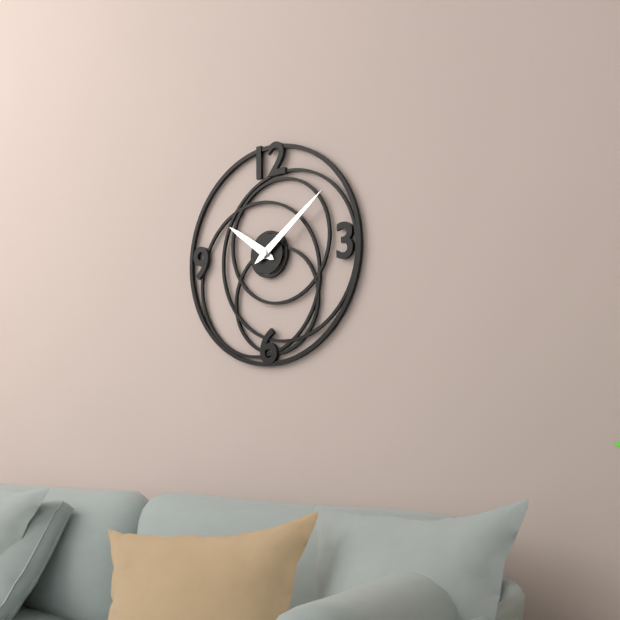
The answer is 10.09
